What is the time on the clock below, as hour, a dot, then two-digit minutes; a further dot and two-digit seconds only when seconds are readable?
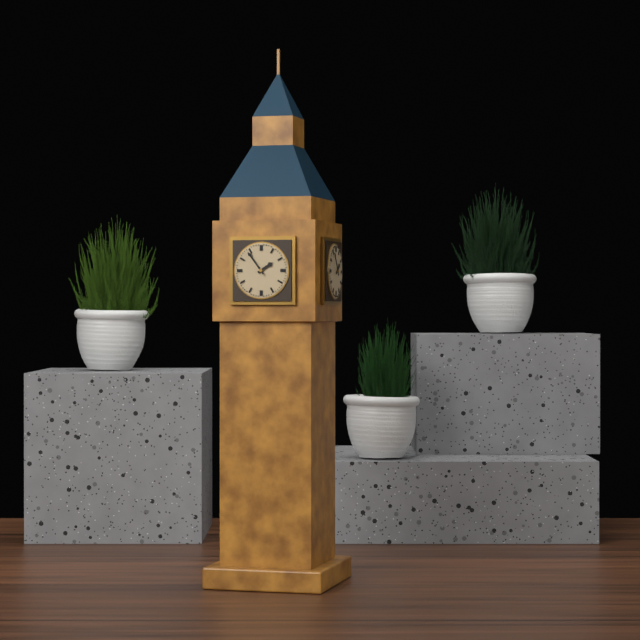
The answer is 1.54
